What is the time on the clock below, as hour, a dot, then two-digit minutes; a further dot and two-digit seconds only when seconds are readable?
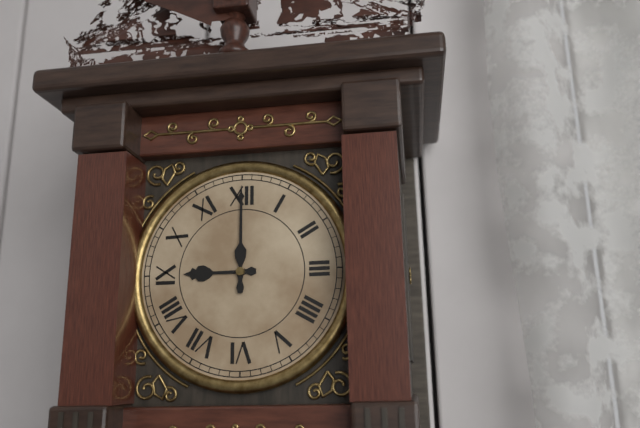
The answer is 9.00
